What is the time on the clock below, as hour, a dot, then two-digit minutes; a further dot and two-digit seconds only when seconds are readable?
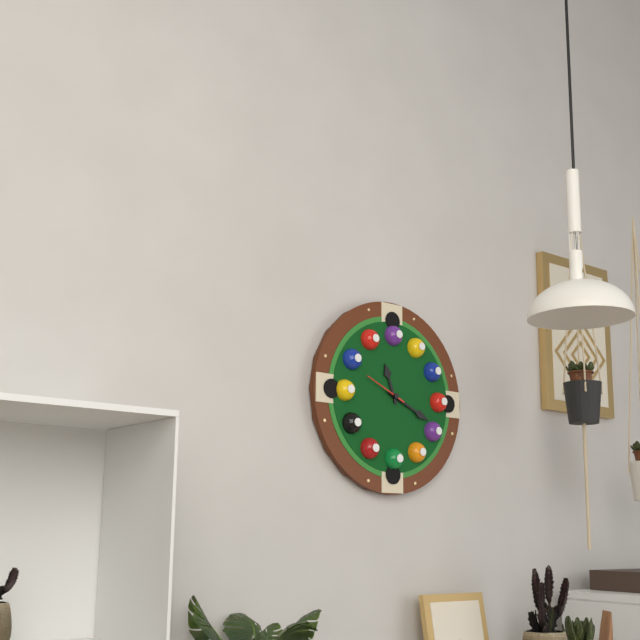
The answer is 11.19
